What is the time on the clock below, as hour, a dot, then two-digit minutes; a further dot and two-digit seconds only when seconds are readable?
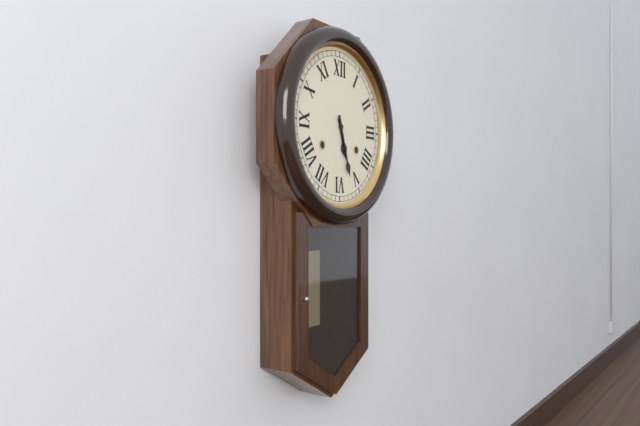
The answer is 5.27
